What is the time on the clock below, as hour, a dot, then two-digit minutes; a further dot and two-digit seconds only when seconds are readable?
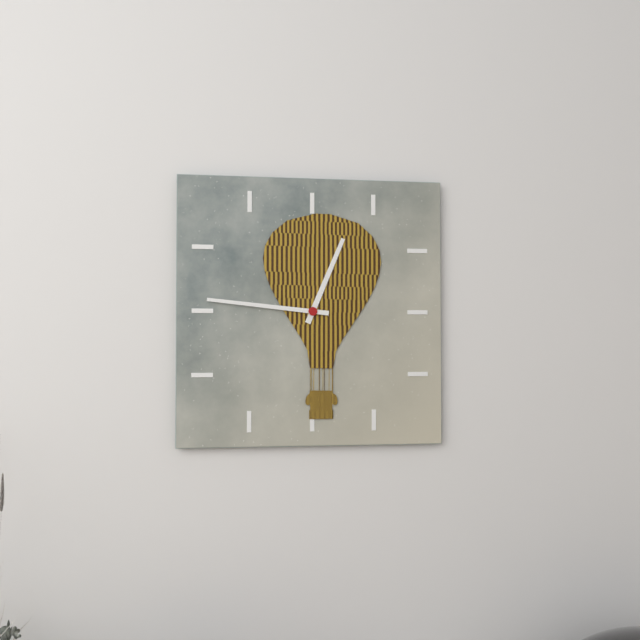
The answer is 12.46
